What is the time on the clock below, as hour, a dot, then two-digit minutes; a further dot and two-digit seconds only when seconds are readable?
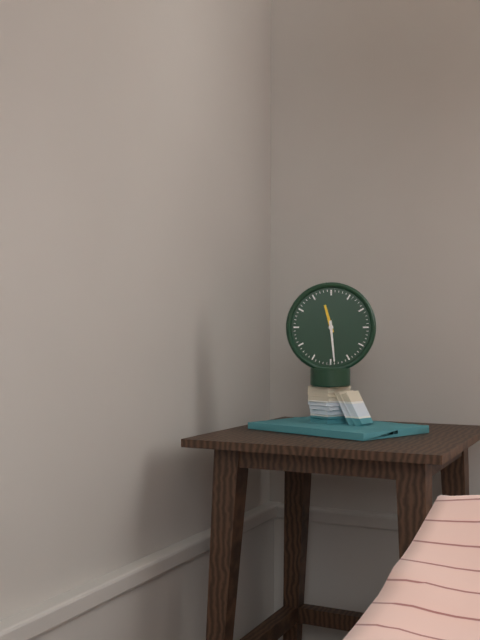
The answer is 11.29
